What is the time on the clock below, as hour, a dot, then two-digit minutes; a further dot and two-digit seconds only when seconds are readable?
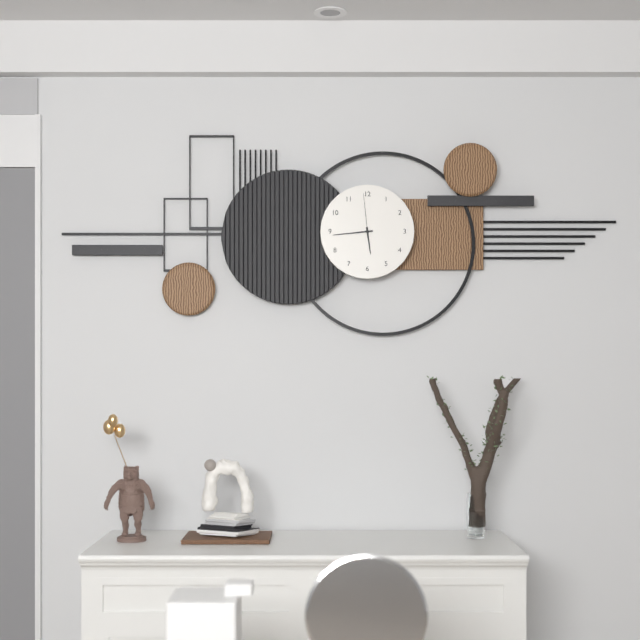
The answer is 5.44
